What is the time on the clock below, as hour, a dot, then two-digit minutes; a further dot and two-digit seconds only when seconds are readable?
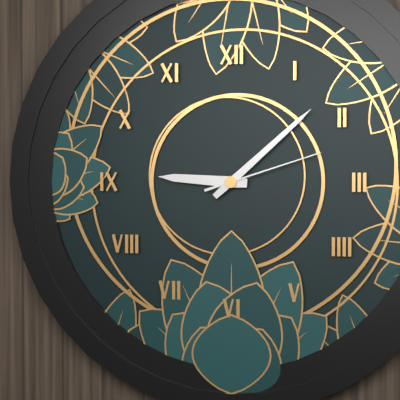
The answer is 9.08.12
